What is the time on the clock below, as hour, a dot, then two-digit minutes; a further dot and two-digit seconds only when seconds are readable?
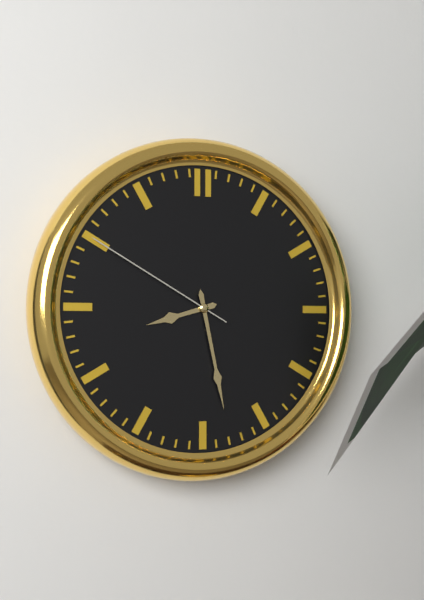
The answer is 8.28.50
